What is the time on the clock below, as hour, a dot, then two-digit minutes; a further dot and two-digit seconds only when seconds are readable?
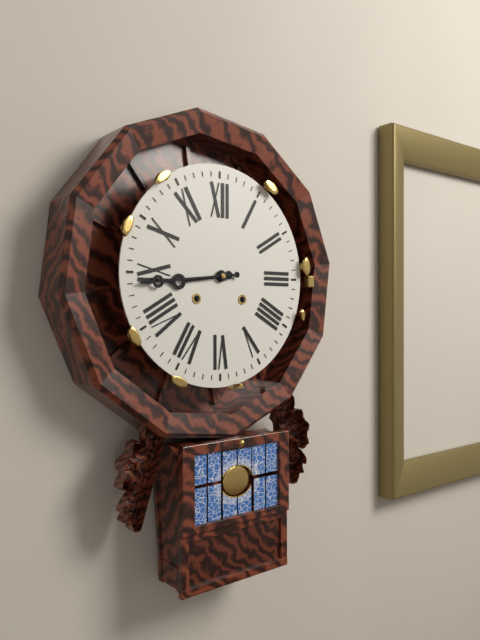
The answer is 8.44
